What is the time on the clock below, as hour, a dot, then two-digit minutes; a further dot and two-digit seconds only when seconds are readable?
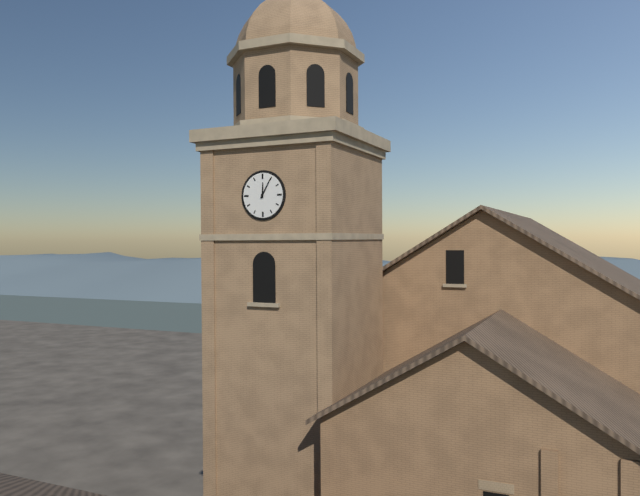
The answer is 12.05
